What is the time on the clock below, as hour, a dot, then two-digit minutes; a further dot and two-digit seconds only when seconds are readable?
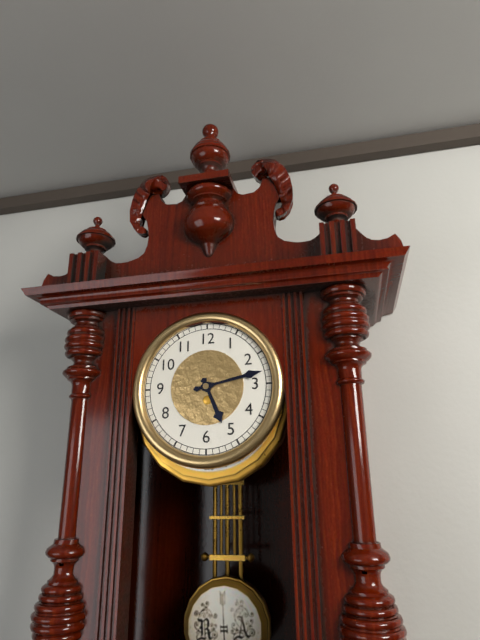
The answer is 5.13
